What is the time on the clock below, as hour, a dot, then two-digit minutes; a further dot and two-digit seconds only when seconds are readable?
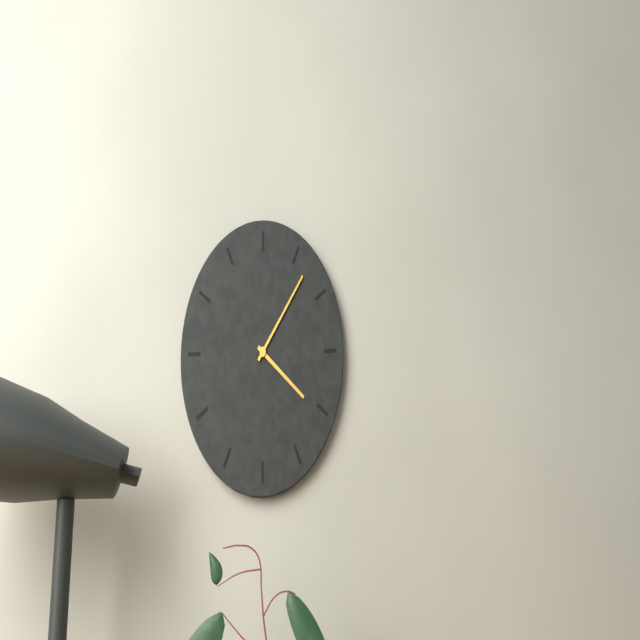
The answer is 4.07
